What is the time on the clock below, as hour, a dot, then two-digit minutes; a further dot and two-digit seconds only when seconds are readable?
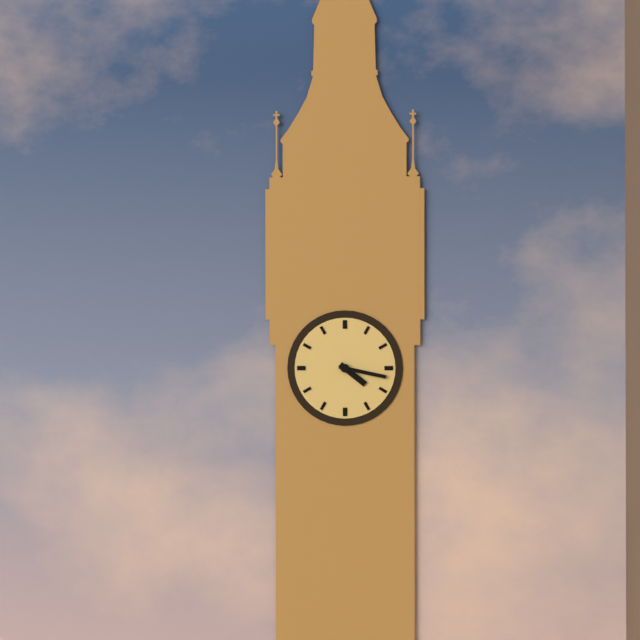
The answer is 4.17
